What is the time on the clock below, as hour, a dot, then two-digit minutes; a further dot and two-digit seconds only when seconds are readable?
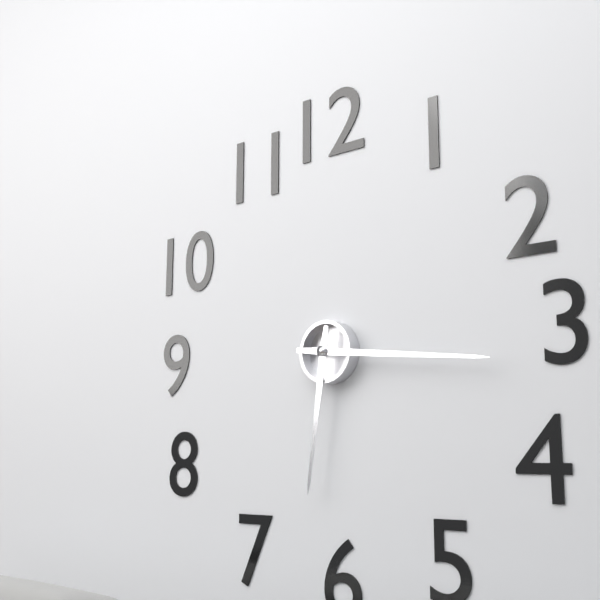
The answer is 6.16
